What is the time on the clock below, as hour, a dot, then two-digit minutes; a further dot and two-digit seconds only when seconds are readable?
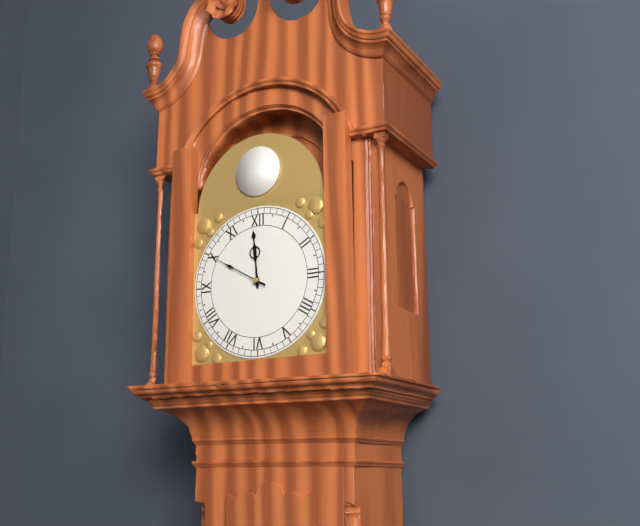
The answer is 11.50
